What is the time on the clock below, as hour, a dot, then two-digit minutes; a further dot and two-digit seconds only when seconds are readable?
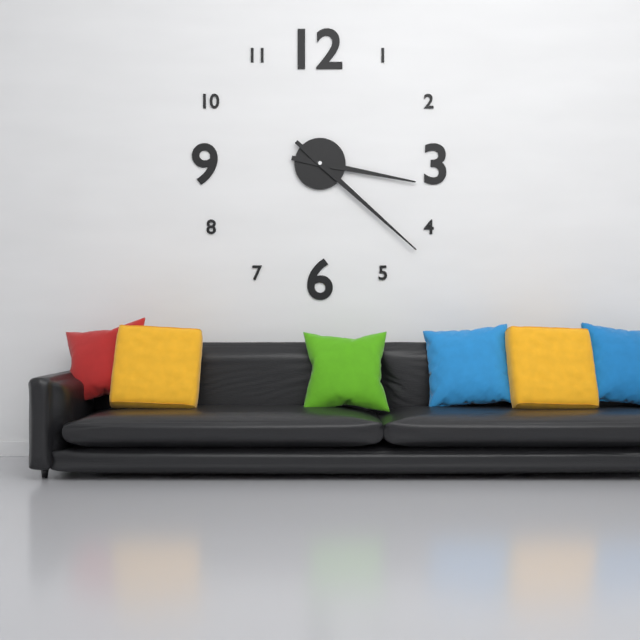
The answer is 3.22
